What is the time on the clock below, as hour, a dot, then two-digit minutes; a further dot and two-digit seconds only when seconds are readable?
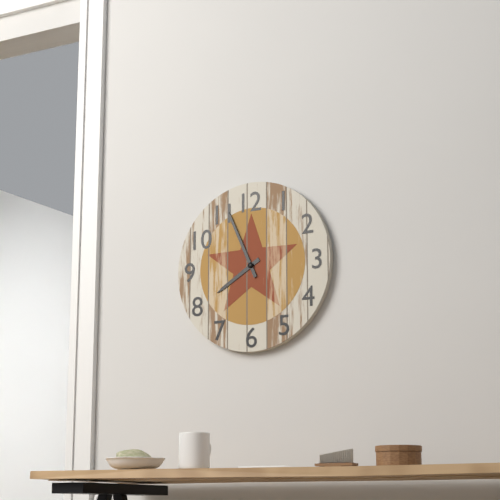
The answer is 7.56
